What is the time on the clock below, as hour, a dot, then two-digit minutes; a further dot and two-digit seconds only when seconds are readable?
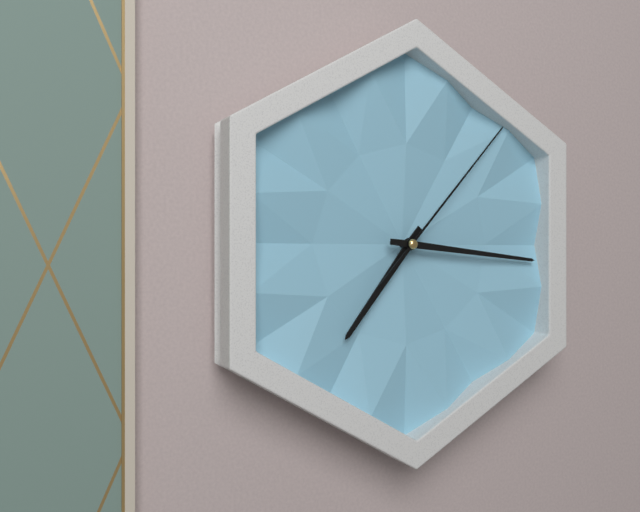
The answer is 7.16.07
